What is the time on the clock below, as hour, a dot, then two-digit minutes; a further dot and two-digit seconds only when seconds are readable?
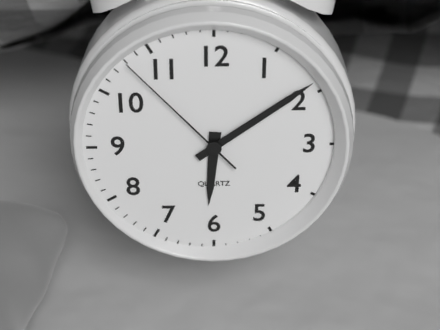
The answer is 6.09.53
